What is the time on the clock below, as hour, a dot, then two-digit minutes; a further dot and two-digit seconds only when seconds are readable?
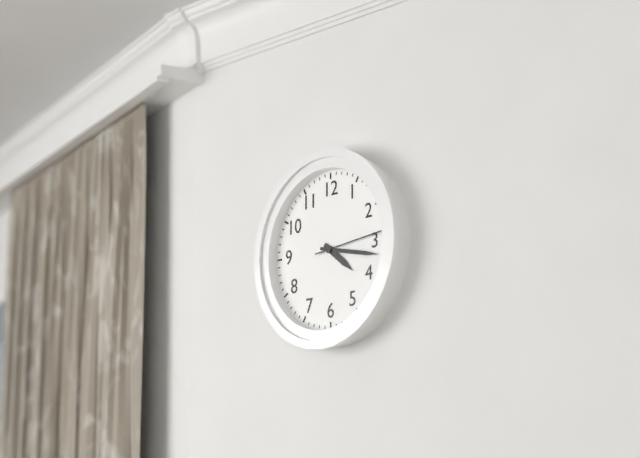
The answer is 4.17.14
